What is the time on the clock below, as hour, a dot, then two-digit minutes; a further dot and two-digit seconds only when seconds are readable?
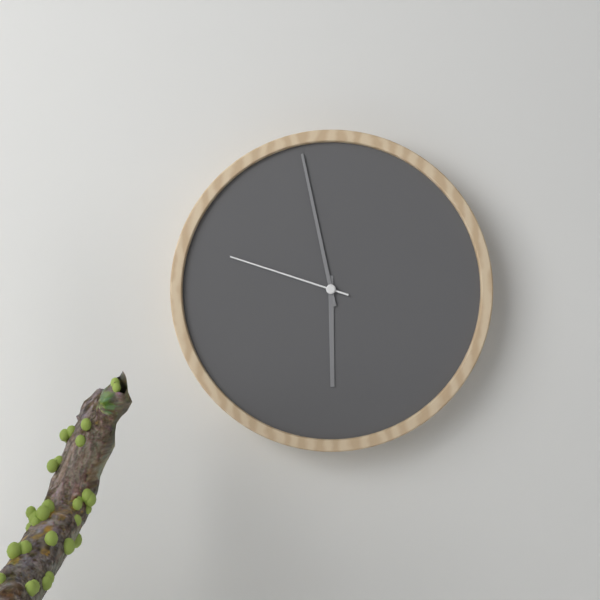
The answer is 5.58.48
